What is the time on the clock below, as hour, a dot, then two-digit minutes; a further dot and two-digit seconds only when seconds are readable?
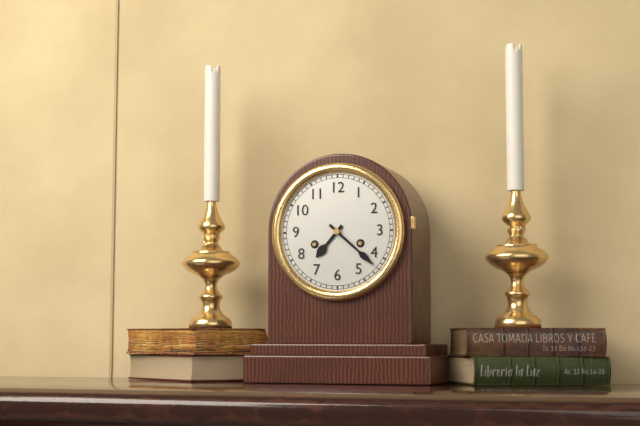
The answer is 7.22
